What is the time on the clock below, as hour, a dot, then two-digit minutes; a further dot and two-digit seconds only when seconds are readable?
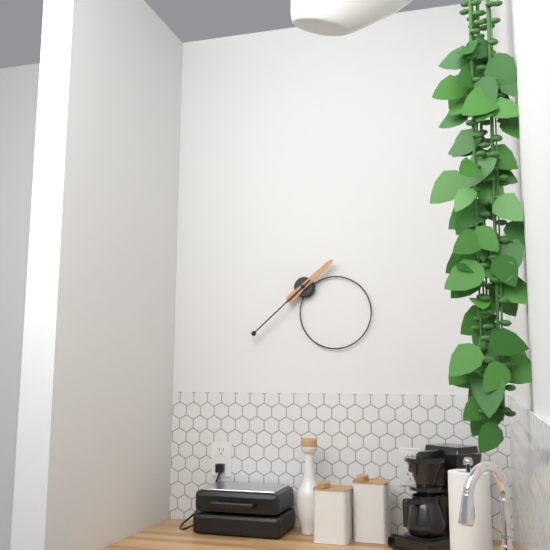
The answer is 1.38
